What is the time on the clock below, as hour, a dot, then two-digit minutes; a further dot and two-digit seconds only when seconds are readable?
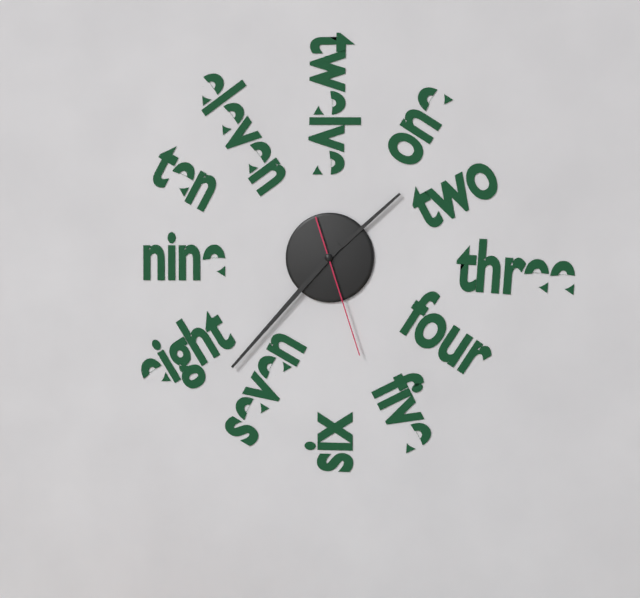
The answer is 1.37.27
